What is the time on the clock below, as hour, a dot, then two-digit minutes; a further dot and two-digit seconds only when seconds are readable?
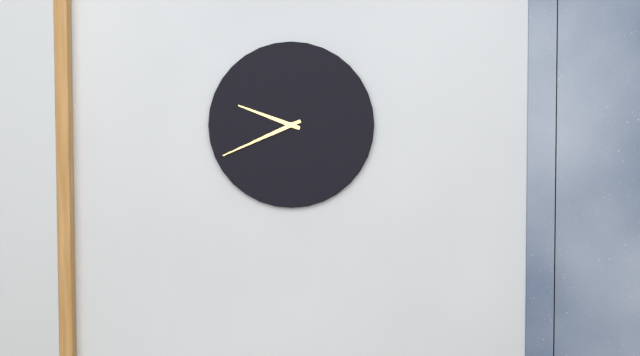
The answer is 9.41
